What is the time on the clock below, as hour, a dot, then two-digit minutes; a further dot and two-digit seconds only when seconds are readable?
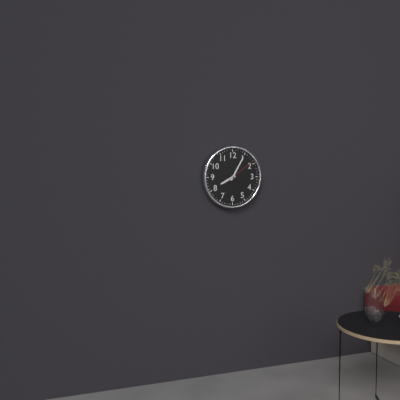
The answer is 8.05
